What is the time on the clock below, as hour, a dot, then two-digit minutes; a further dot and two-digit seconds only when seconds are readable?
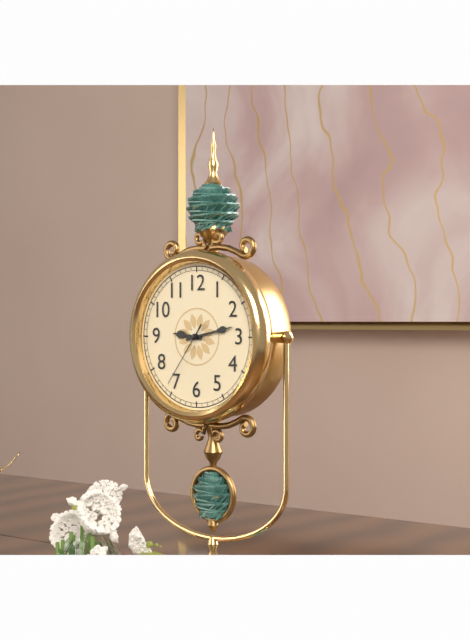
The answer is 9.13.36
